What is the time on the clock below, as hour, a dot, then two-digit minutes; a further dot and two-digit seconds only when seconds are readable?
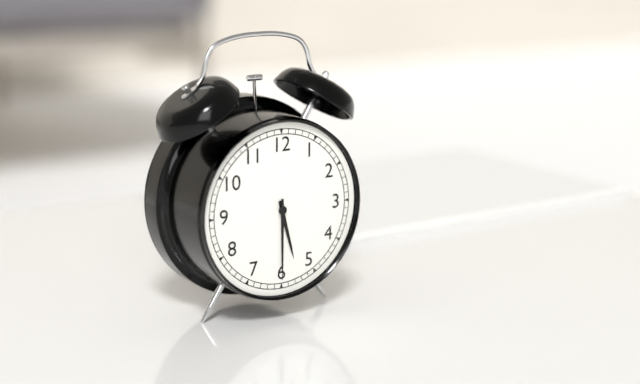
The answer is 5.30
